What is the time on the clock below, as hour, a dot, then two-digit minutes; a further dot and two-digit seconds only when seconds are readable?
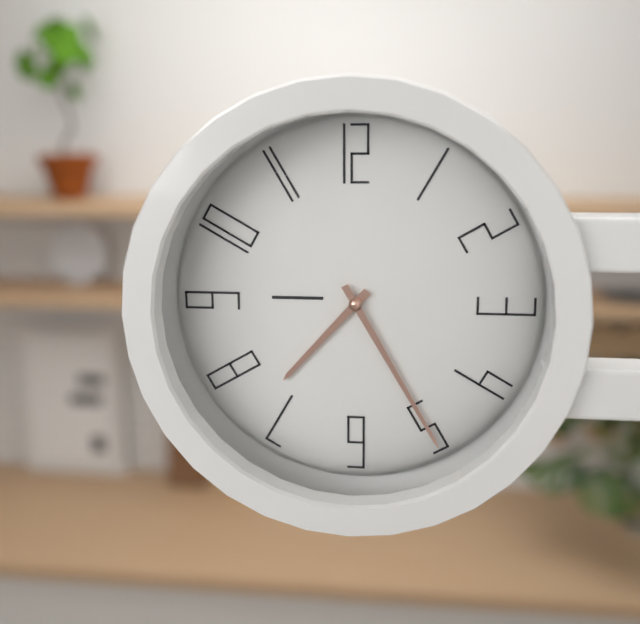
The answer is 7.25
